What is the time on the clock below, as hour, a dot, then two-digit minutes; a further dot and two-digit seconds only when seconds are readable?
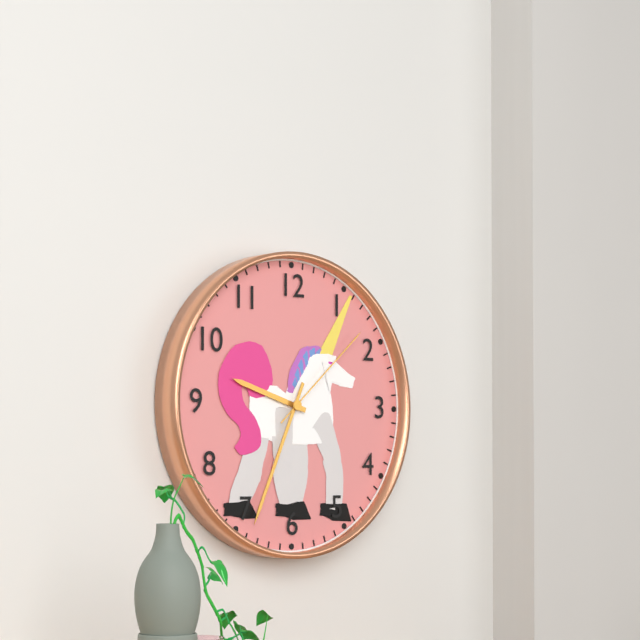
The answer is 9.34.08
